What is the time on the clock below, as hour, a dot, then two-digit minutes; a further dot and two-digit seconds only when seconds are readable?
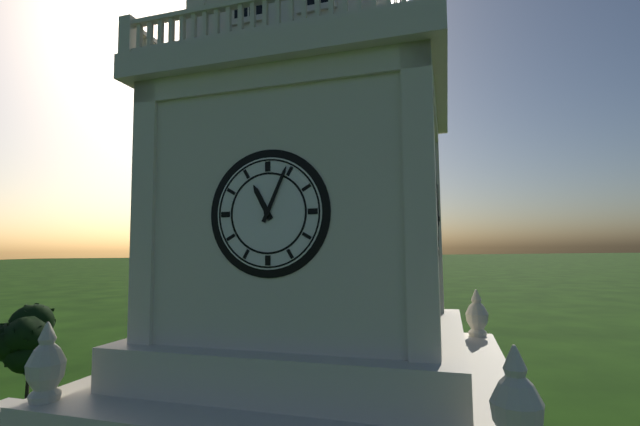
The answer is 11.04
